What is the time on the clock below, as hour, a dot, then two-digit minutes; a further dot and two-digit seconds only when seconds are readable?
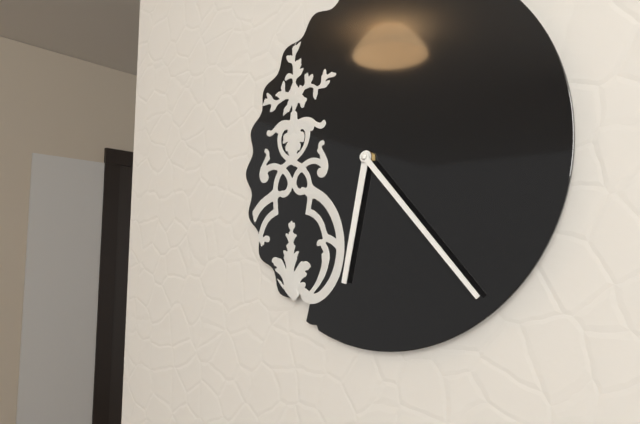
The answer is 6.23
